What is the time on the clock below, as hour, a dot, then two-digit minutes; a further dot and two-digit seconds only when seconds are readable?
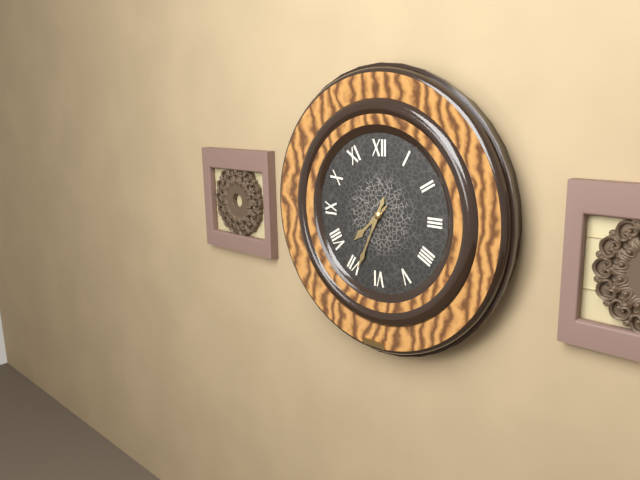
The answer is 7.34
